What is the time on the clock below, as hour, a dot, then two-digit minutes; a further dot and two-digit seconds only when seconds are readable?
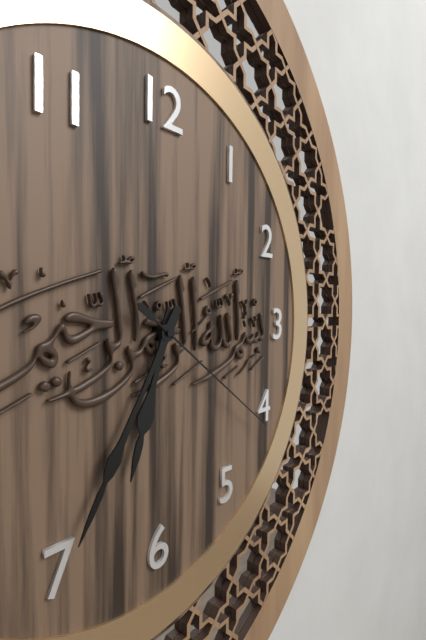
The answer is 6.35.21
